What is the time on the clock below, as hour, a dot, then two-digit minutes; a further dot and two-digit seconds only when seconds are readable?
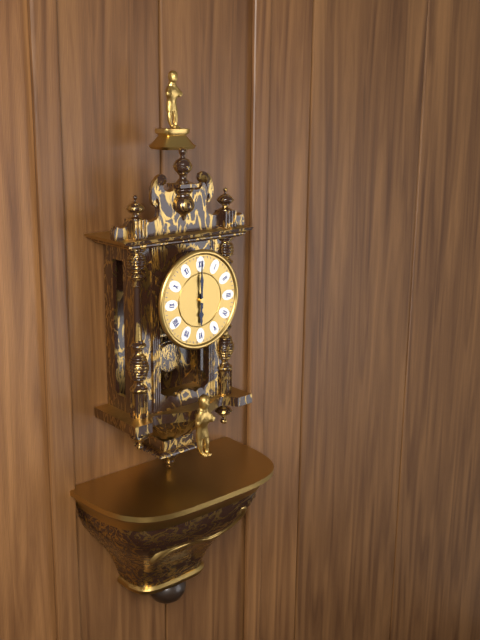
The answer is 6.00
